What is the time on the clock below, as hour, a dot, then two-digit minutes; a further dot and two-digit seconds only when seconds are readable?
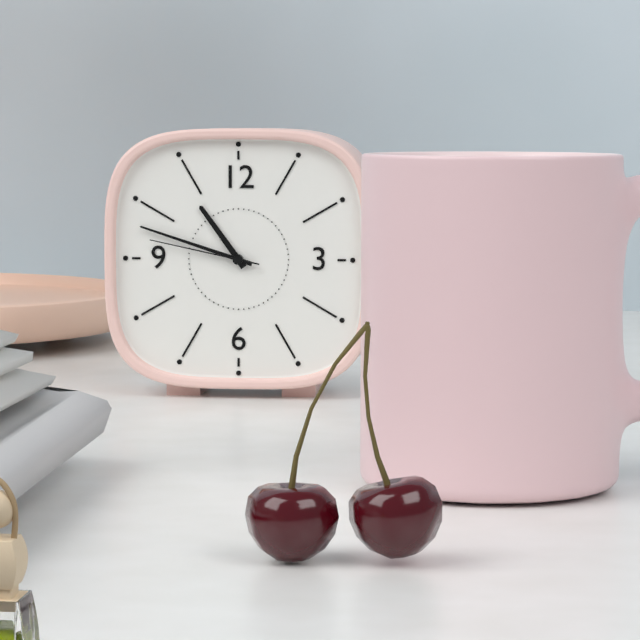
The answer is 10.48.47
